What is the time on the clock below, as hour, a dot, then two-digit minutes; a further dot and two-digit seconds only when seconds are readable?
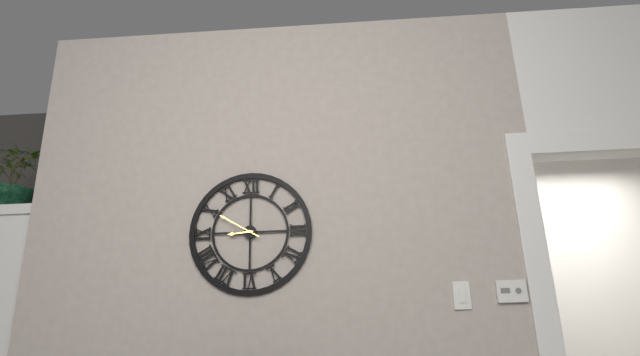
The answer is 8.50
